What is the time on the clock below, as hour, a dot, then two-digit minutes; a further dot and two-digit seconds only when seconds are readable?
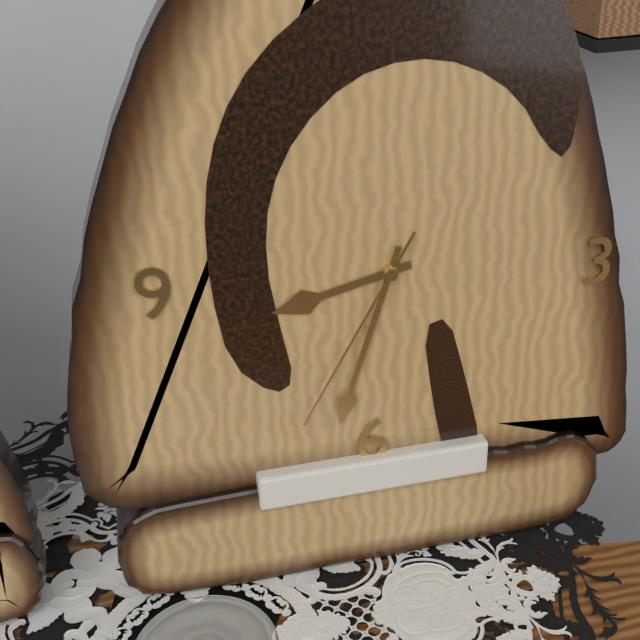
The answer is 8.33.35
